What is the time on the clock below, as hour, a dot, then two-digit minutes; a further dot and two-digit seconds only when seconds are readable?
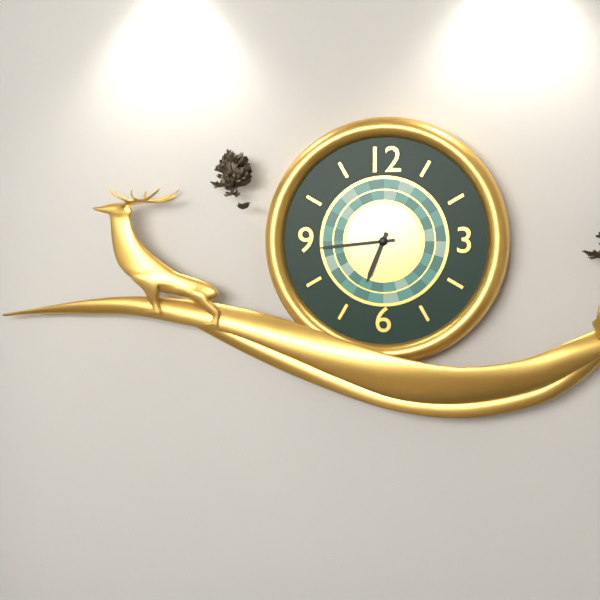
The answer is 6.44
